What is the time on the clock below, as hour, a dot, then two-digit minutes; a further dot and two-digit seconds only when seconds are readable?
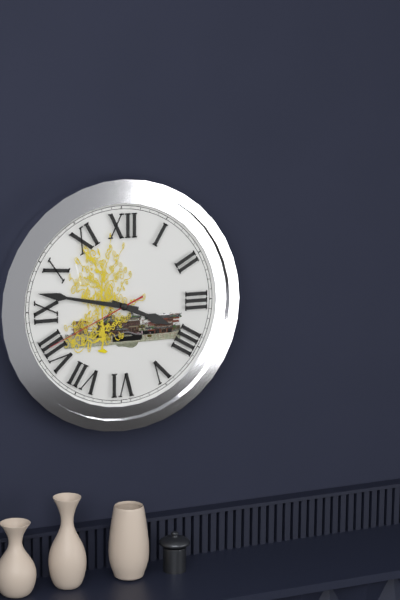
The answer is 3.47.41
